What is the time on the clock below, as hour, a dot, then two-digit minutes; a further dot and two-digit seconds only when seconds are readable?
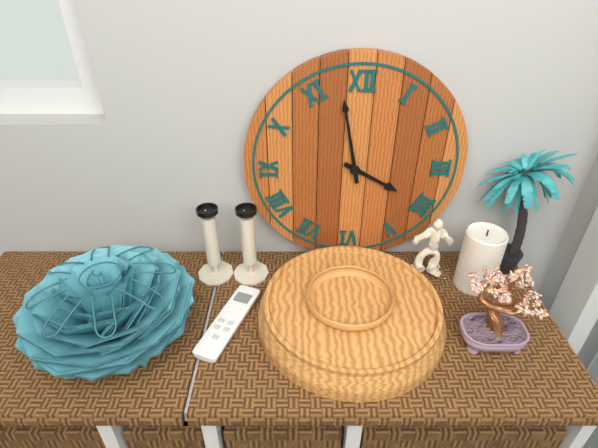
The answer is 3.58
